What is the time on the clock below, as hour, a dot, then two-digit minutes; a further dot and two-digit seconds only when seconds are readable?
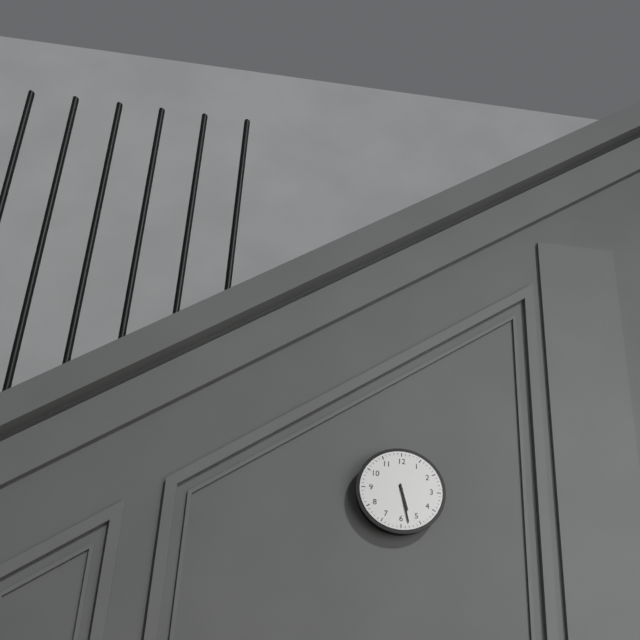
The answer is 5.28
